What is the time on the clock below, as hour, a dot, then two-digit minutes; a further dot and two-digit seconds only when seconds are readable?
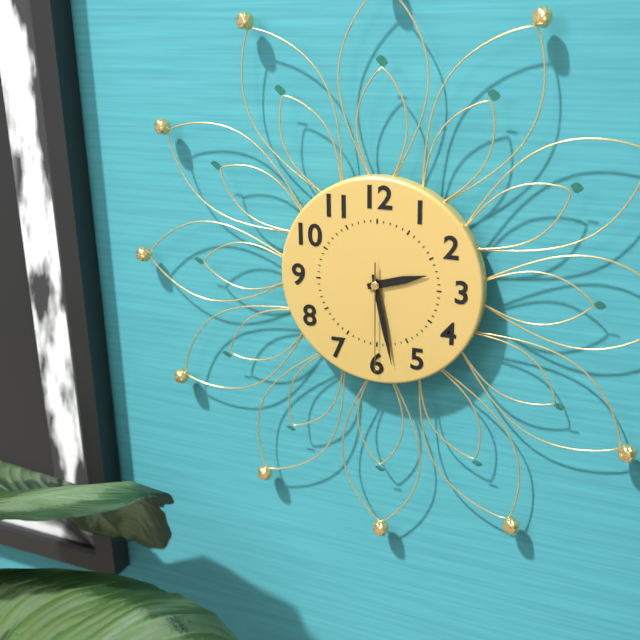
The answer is 2.28.30
